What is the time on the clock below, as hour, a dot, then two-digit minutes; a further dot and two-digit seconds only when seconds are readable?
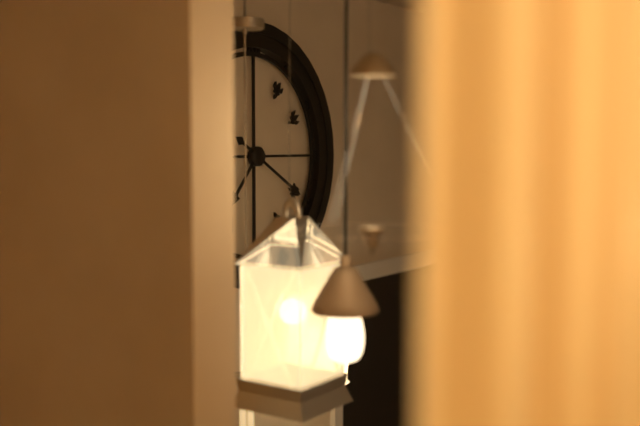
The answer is 7.20
